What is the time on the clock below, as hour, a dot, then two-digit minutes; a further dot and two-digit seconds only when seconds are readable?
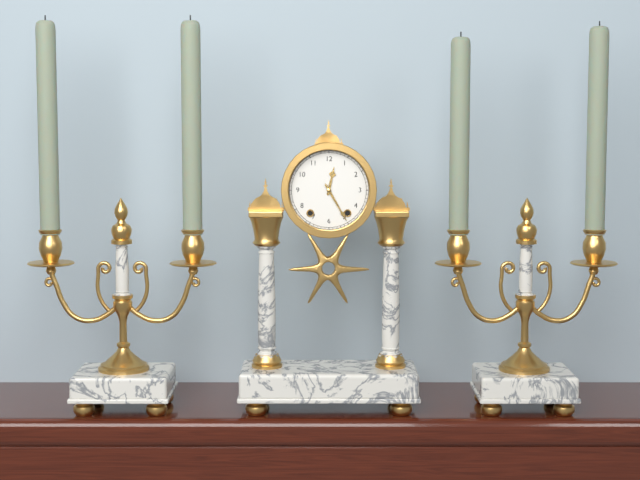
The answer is 12.25
